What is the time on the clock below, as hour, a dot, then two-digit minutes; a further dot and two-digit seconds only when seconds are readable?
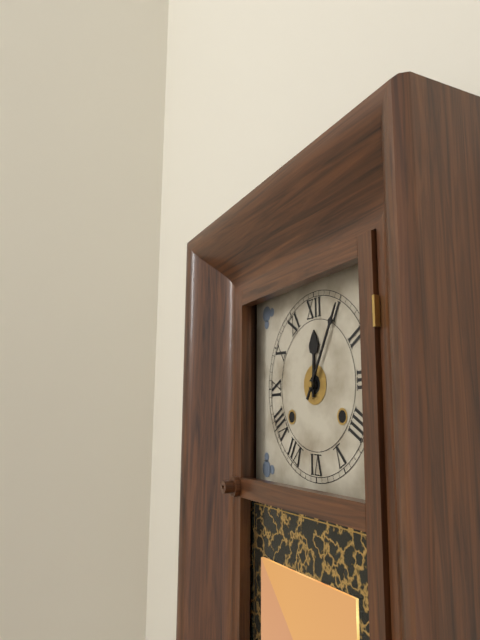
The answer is 12.05
